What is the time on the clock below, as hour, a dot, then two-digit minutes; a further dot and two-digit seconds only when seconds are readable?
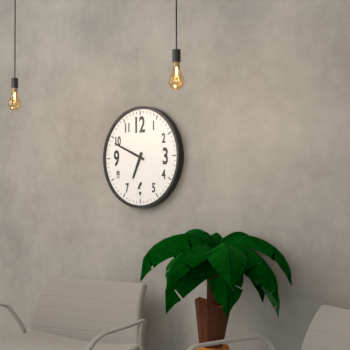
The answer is 6.49
